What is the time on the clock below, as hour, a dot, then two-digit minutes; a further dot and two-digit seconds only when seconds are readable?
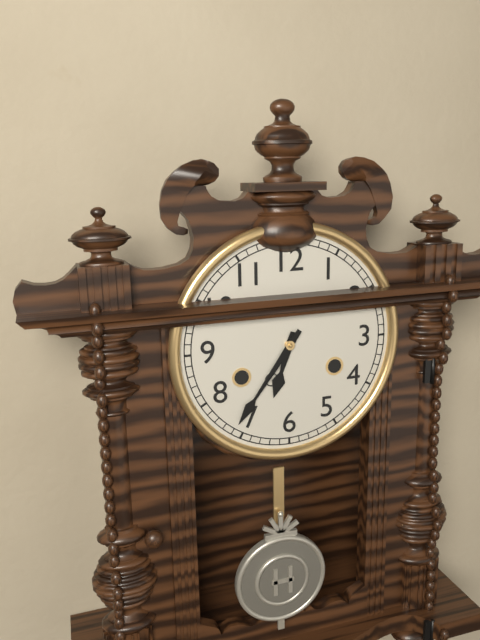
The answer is 6.36
